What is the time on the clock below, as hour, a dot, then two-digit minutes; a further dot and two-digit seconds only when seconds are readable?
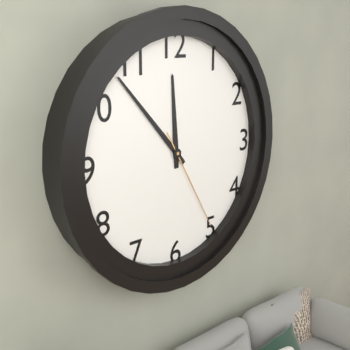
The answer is 11.53.25
